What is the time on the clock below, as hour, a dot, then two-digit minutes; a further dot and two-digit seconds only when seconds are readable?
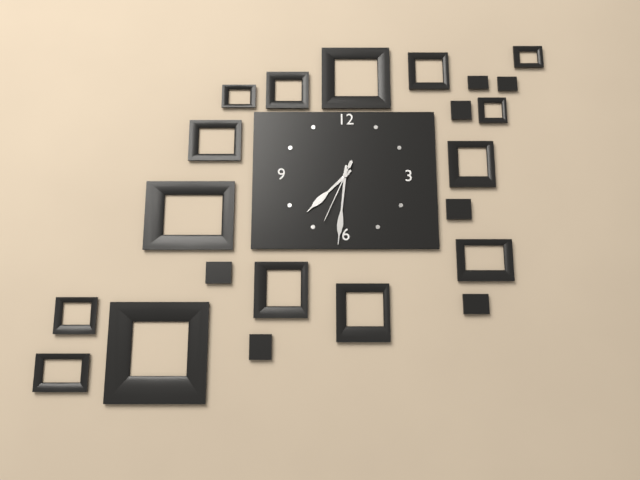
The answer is 7.31.34
